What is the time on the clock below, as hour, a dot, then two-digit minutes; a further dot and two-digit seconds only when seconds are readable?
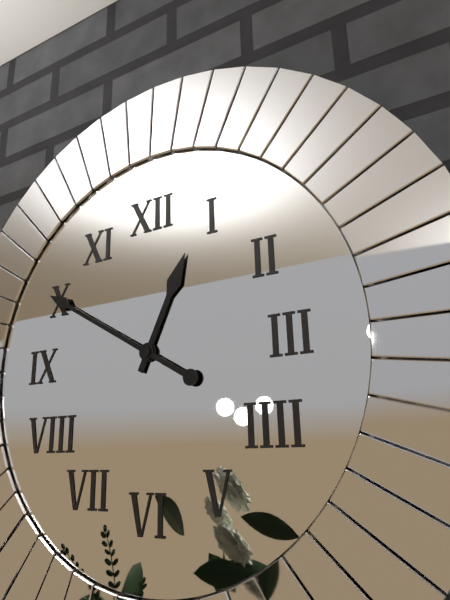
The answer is 12.50
